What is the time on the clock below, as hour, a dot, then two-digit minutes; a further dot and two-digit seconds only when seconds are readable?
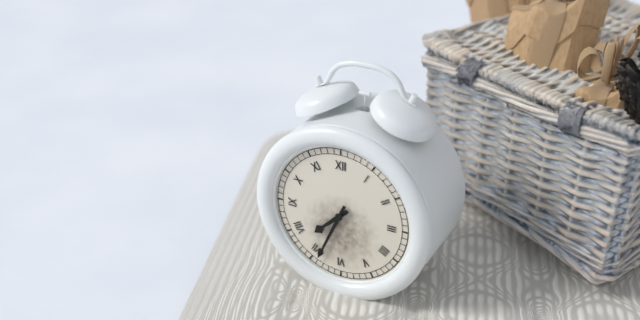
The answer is 7.34
